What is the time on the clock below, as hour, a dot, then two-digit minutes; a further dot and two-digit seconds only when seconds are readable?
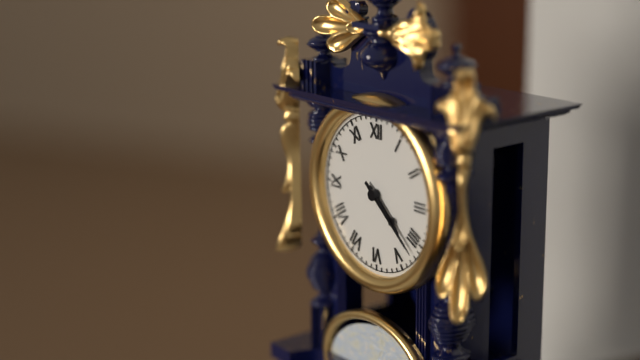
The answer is 4.22
